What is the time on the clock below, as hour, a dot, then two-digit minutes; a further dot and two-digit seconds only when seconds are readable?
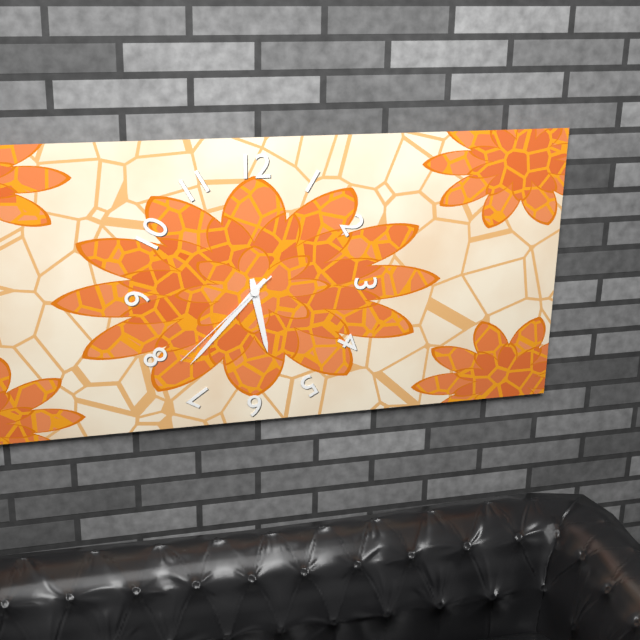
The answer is 5.37.38
